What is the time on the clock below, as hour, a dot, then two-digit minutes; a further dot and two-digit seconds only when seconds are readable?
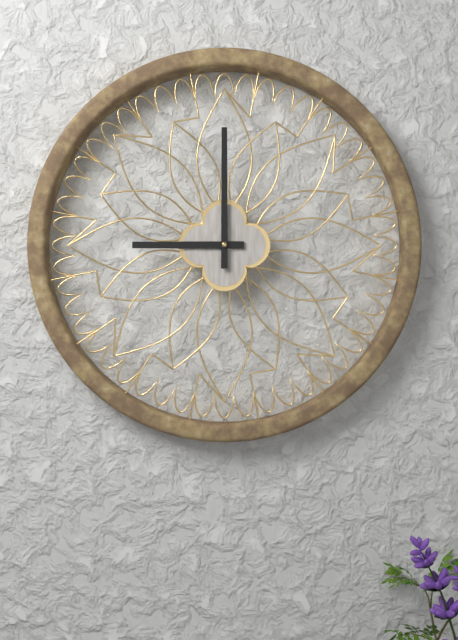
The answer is 9.00
